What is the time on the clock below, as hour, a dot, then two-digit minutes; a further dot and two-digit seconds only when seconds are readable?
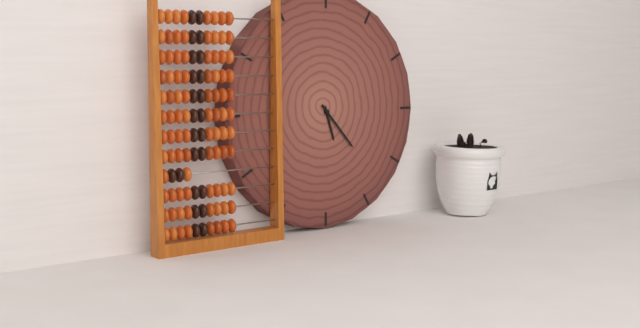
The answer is 5.23
